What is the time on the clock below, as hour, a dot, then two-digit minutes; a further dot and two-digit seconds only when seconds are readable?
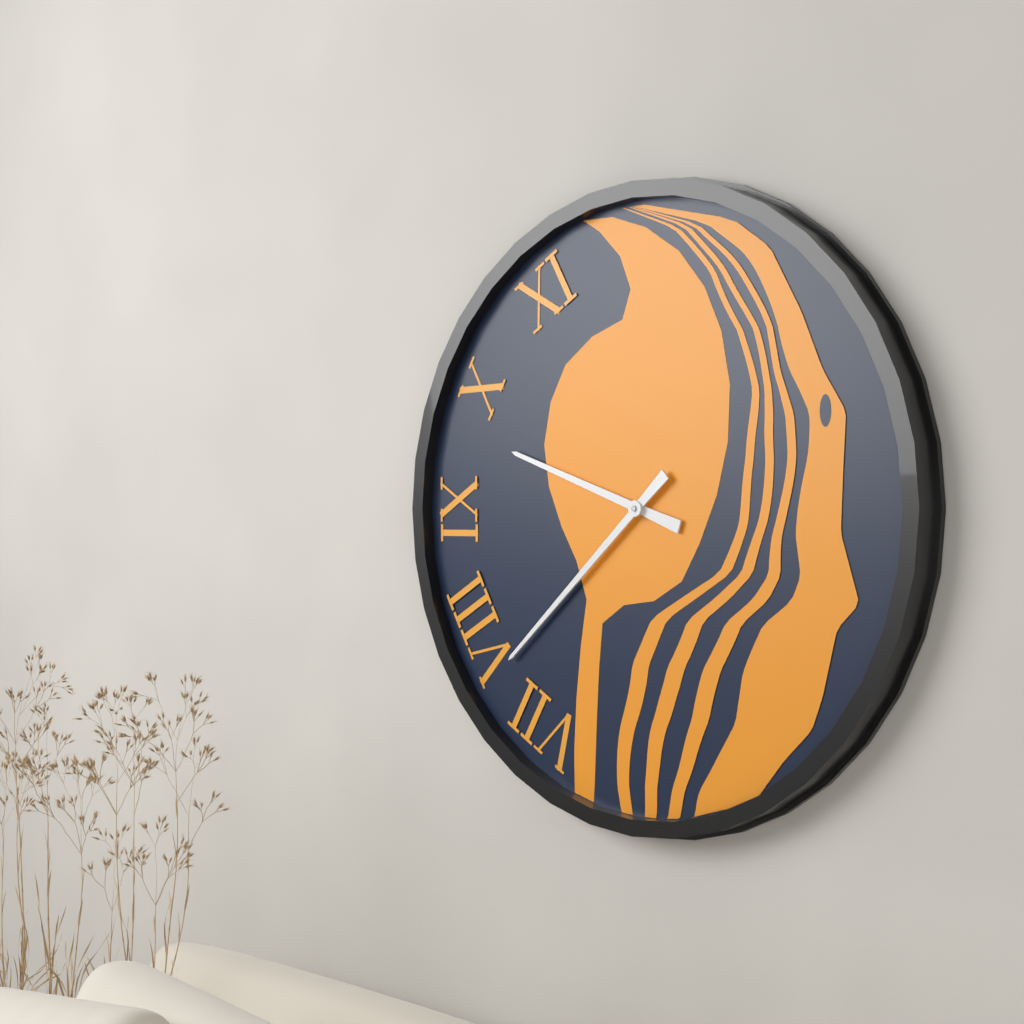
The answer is 9.38
